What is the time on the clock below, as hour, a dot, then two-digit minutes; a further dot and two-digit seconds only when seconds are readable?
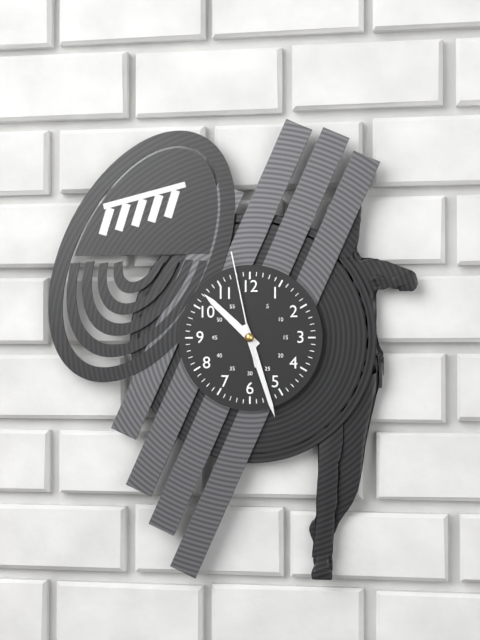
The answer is 10.27.58
